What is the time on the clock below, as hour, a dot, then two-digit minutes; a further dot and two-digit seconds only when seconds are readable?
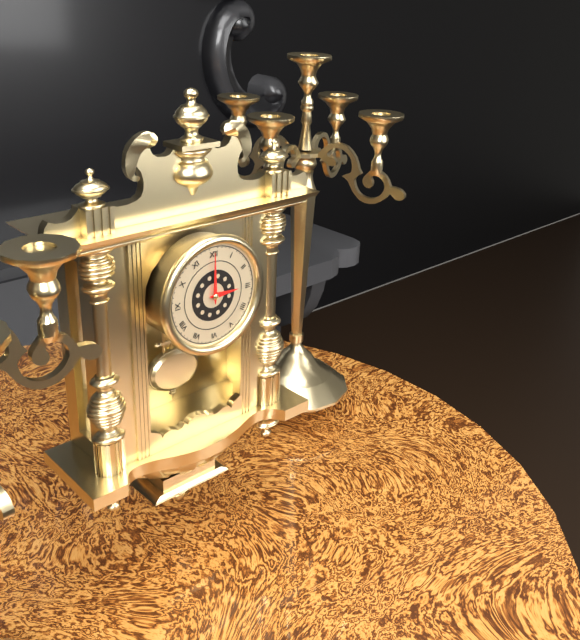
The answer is 3.00
